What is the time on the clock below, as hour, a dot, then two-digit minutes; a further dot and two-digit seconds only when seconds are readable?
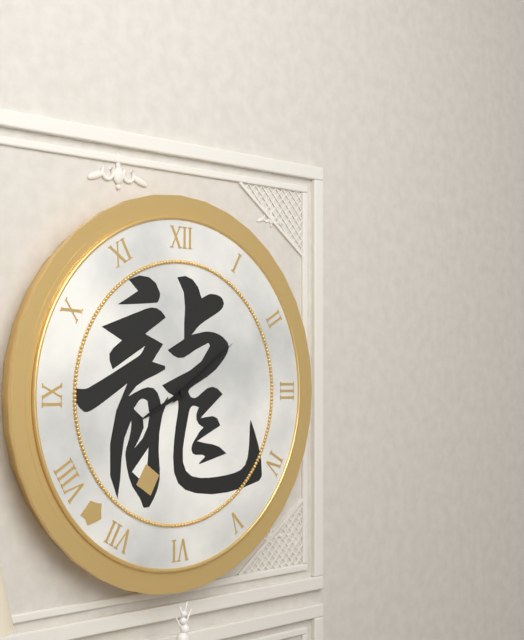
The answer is 8.09
